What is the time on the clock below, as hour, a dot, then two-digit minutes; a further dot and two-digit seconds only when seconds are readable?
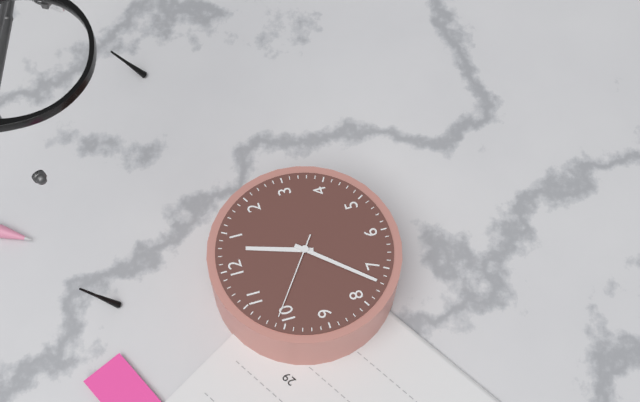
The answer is 12.37.51
